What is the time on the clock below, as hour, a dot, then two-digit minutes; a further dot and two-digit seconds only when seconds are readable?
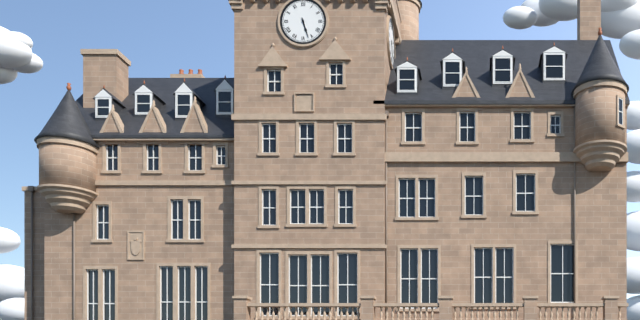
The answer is 5.27
